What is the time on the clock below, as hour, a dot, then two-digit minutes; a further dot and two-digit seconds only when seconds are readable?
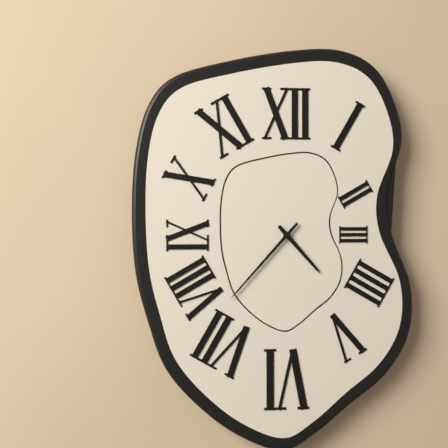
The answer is 4.37
